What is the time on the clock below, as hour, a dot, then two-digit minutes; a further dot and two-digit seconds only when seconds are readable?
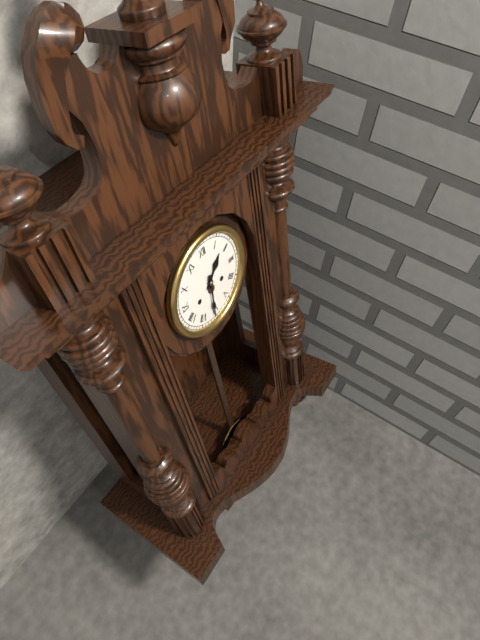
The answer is 1.31
